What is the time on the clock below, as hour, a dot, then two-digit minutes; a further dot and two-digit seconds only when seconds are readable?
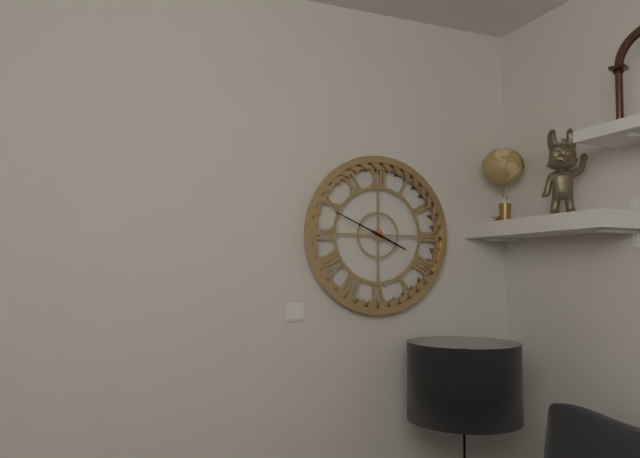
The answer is 3.49
